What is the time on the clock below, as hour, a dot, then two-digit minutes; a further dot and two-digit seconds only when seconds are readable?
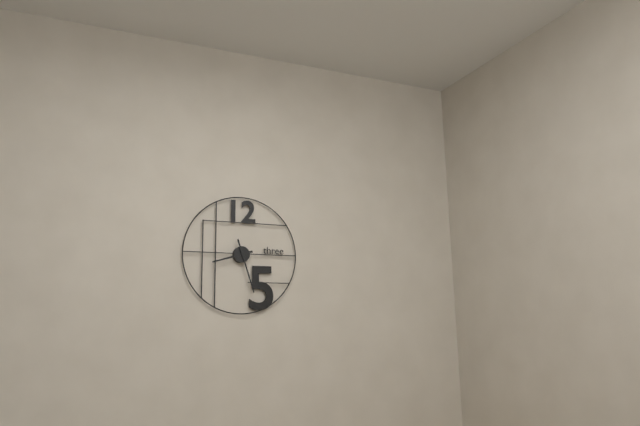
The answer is 8.27
